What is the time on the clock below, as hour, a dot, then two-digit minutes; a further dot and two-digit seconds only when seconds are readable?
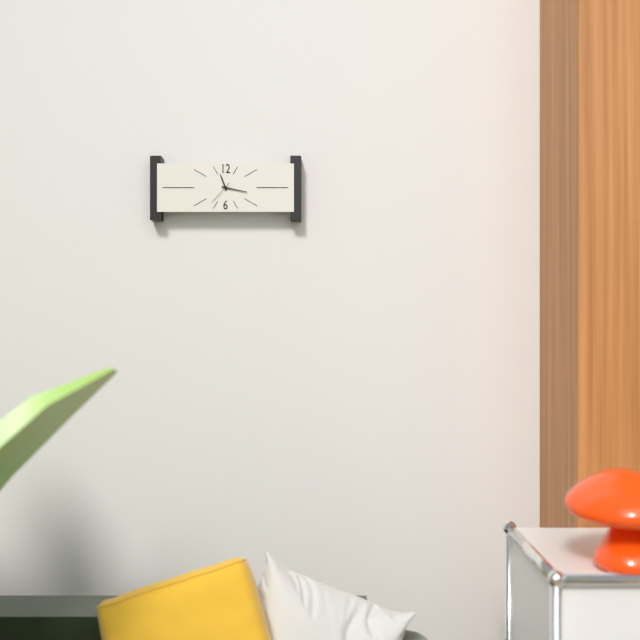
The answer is 11.17
